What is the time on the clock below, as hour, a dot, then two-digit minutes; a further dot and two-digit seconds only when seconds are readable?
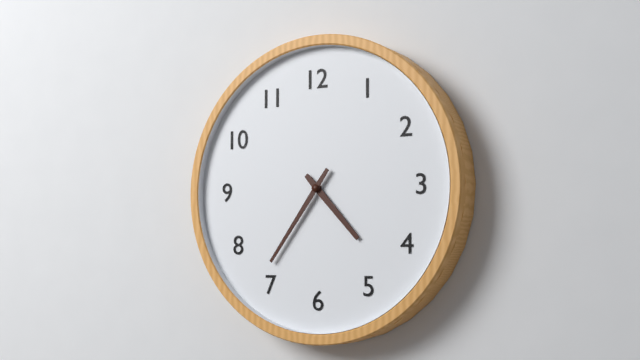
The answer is 4.36
